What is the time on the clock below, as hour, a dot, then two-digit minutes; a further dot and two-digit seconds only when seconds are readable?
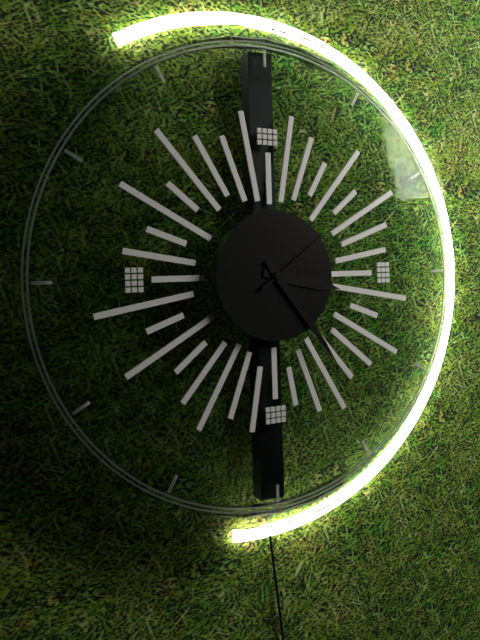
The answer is 3.24.09
